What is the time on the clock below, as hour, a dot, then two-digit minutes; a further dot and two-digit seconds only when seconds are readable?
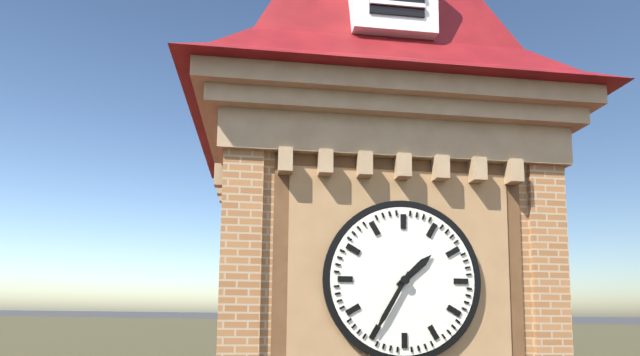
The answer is 1.35
